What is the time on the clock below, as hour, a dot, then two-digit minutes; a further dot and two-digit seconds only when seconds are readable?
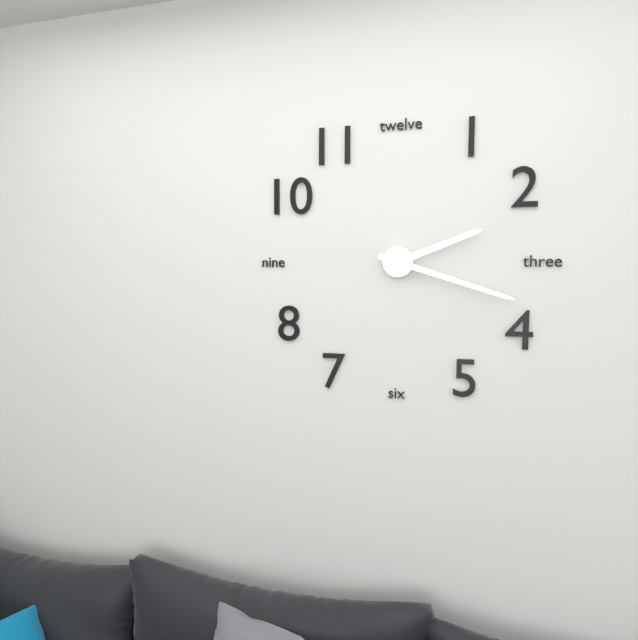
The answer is 2.18
